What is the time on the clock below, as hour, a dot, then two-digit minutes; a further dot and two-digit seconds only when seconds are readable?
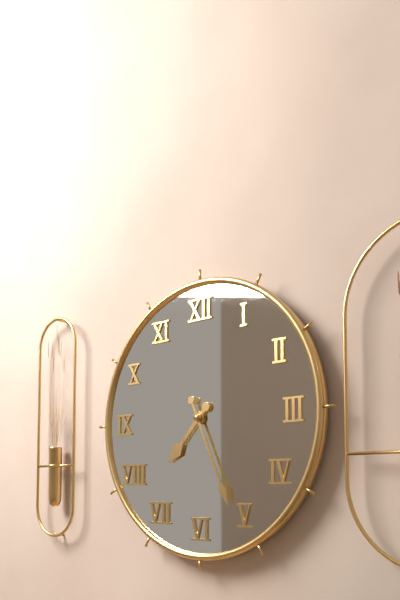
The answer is 7.26
